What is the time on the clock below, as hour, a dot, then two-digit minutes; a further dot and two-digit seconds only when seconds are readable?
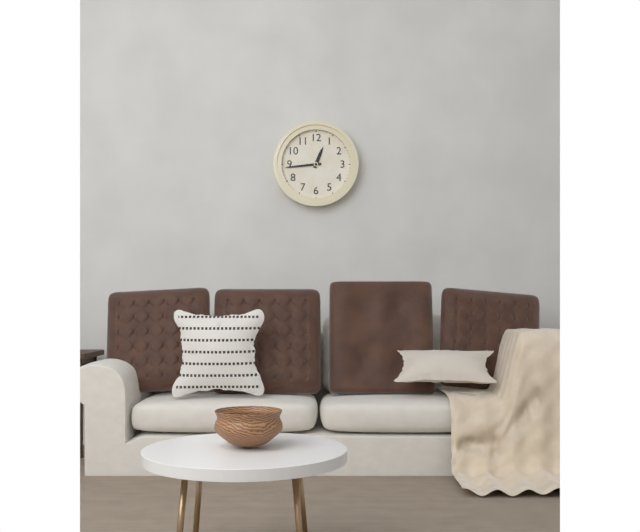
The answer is 12.44
